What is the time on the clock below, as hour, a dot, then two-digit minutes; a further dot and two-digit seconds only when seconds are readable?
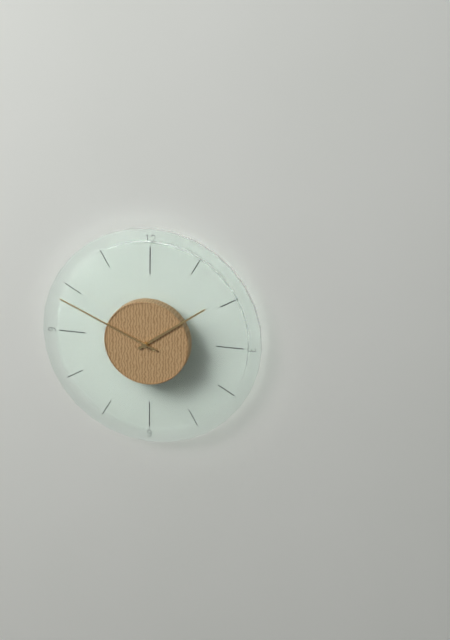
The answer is 1.49
